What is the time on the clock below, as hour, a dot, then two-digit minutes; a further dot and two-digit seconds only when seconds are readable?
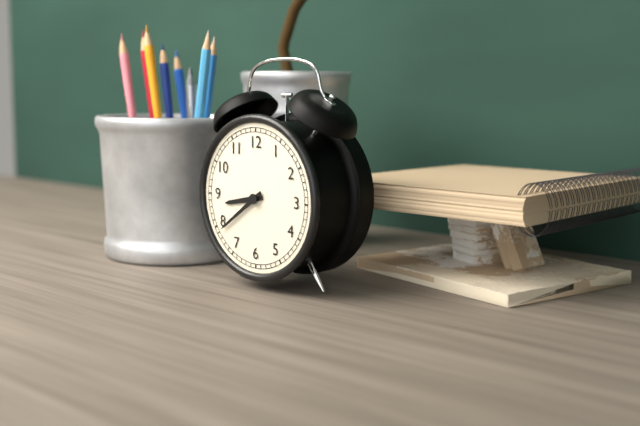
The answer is 8.39
